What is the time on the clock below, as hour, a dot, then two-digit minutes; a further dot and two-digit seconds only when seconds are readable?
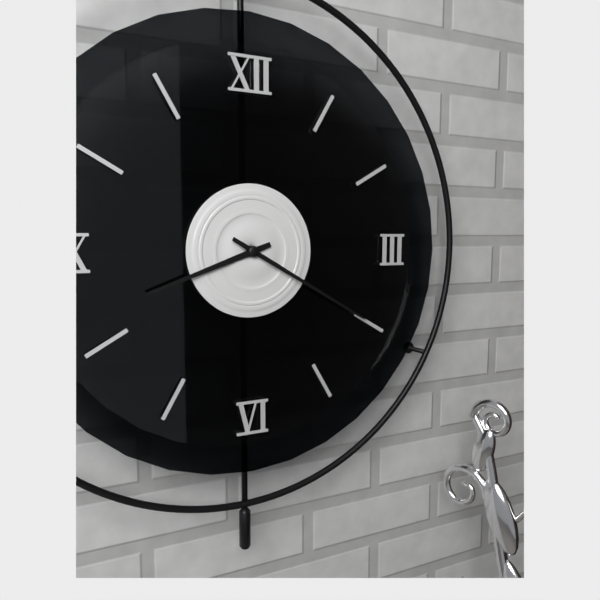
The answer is 8.20
